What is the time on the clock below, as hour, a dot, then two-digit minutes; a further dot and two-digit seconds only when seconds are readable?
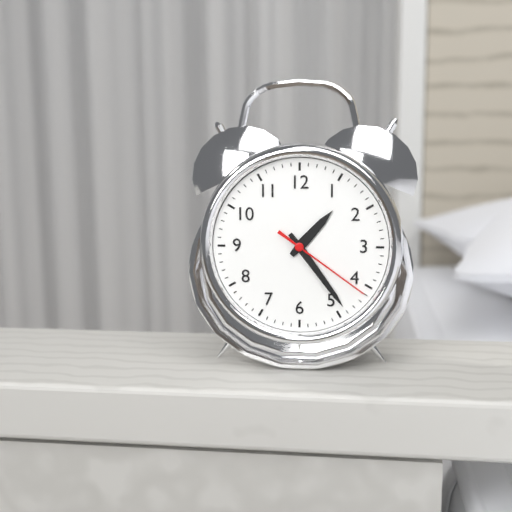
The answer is 1.24.21
